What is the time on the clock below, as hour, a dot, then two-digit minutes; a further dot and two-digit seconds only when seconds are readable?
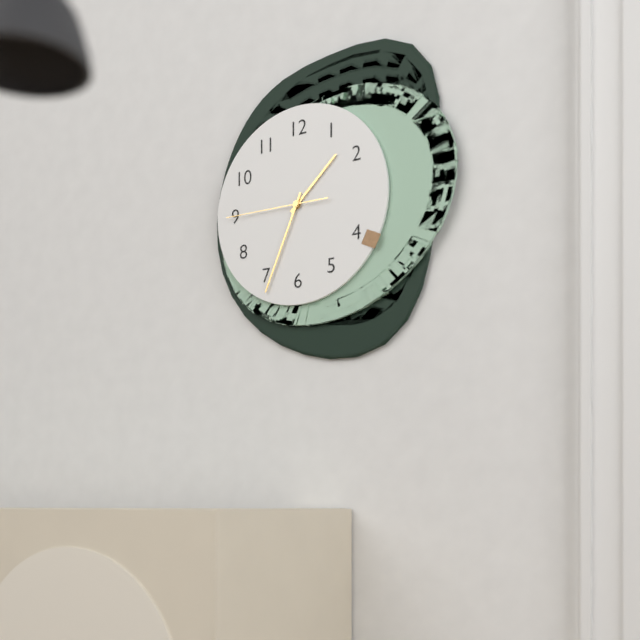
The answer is 1.34.45
